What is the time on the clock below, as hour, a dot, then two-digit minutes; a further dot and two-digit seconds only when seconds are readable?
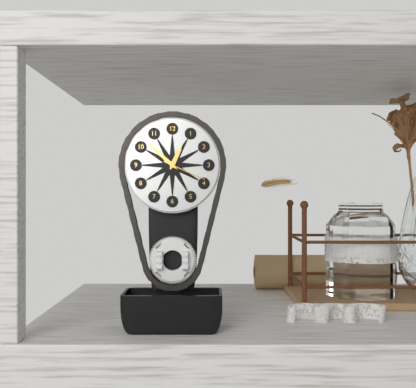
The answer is 12.52
